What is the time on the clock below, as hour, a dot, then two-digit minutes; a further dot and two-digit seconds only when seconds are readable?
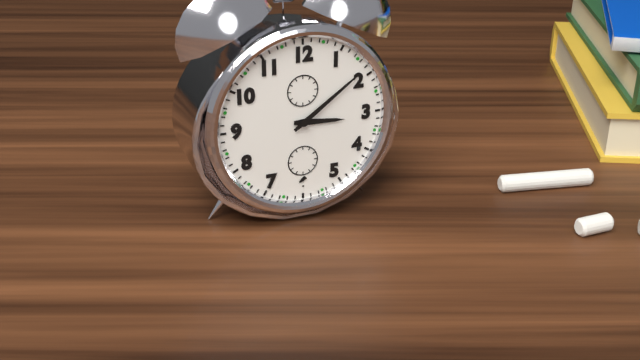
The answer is 3.09
